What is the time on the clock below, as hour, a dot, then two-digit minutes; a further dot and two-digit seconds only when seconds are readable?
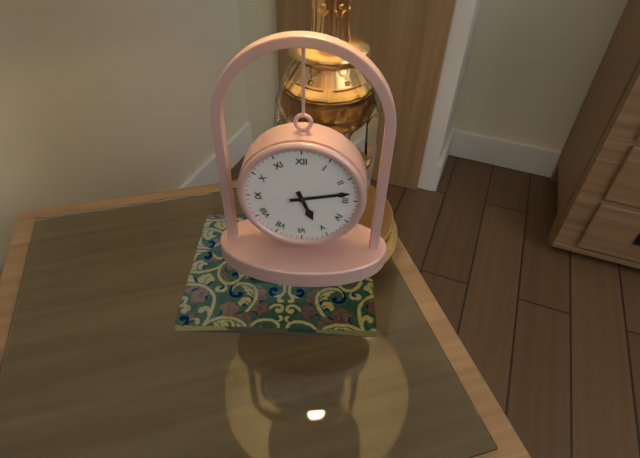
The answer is 5.13
